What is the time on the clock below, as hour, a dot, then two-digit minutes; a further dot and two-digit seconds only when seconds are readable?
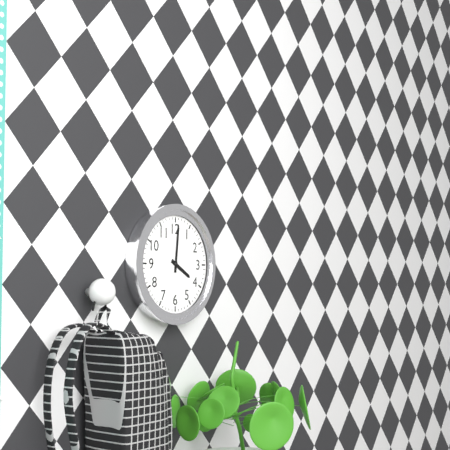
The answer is 4.01
